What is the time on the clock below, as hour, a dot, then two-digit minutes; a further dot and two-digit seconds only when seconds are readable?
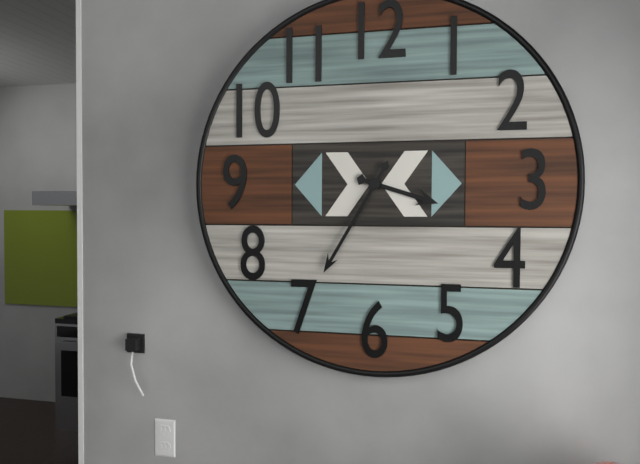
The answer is 3.35
